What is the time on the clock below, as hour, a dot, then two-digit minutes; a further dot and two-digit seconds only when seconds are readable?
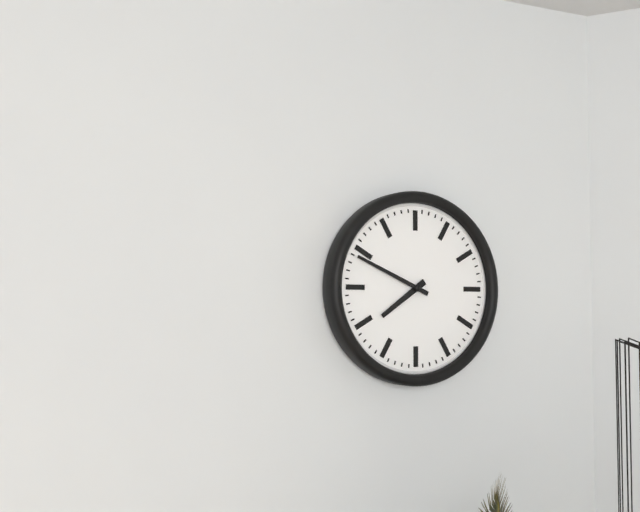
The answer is 7.49
